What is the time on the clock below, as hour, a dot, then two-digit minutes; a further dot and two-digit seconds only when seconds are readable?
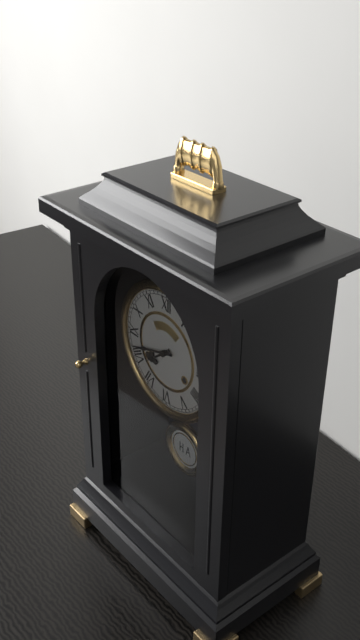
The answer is 7.42
